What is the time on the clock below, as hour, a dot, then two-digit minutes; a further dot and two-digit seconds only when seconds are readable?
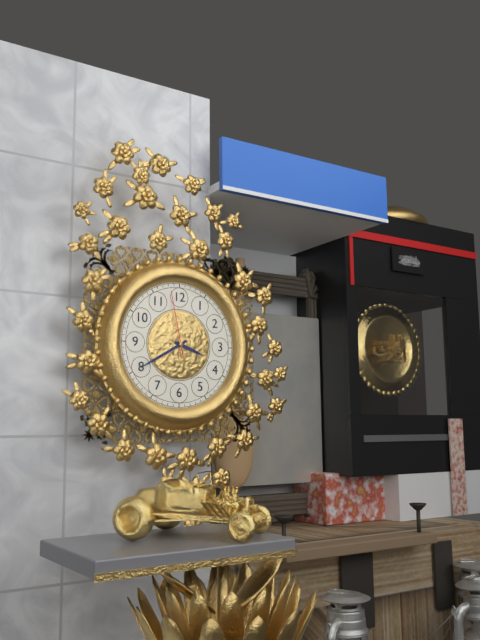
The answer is 3.40.58
